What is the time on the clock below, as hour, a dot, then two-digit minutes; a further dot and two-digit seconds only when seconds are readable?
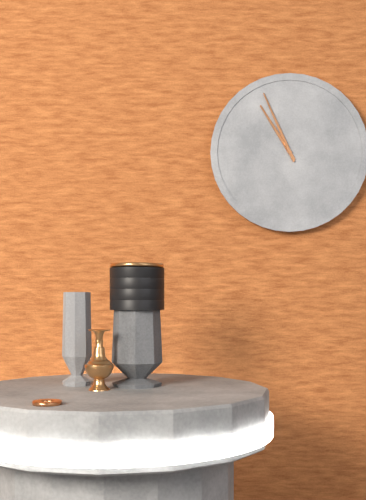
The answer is 10.56
